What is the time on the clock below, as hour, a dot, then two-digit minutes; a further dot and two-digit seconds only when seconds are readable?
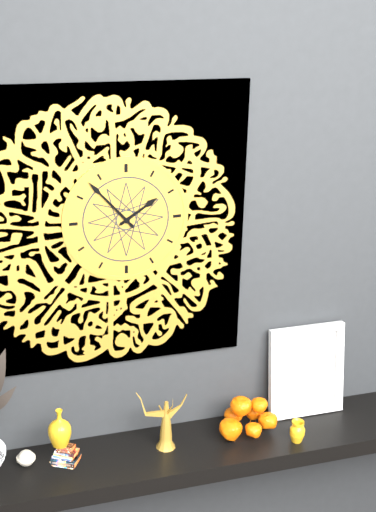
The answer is 1.53
